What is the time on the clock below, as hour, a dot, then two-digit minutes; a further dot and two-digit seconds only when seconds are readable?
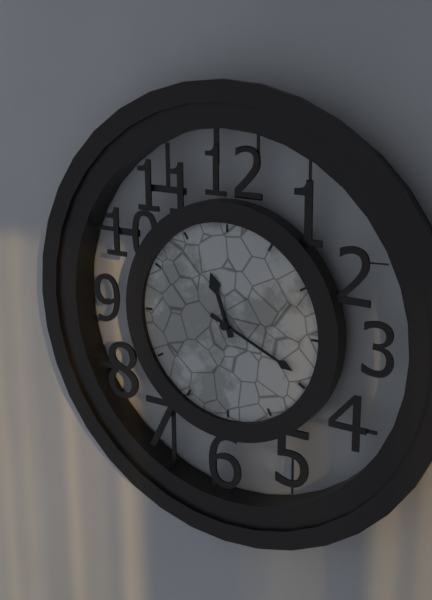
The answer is 11.19
